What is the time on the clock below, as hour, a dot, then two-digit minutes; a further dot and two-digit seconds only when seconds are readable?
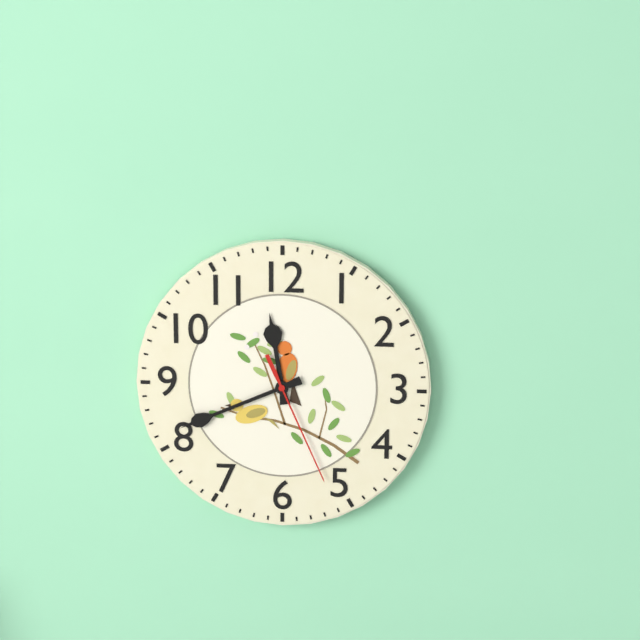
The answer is 11.41.26
